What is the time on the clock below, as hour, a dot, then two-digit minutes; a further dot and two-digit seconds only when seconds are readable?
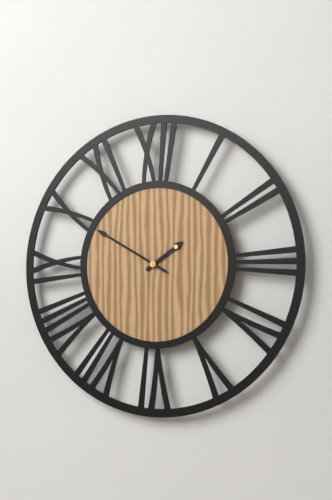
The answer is 1.50
